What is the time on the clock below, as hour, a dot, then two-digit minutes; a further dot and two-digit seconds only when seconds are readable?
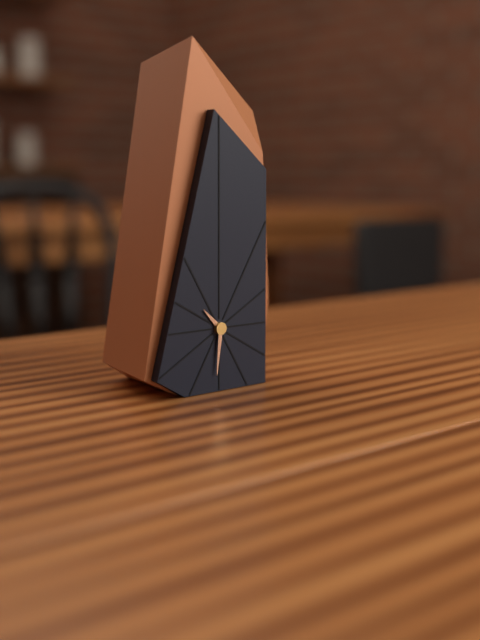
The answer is 10.31
